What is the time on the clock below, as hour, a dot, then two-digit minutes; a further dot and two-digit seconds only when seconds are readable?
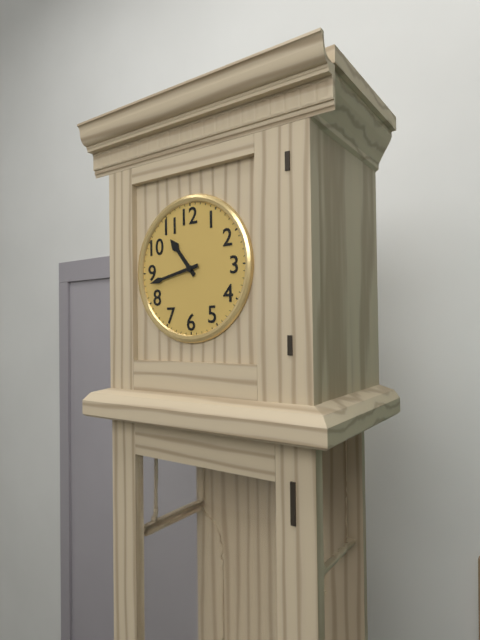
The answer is 10.43
